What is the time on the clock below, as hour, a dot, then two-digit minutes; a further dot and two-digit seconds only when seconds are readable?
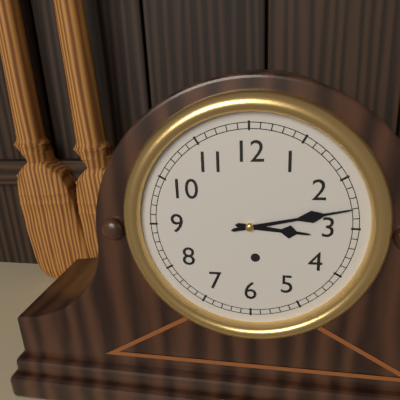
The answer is 3.13
